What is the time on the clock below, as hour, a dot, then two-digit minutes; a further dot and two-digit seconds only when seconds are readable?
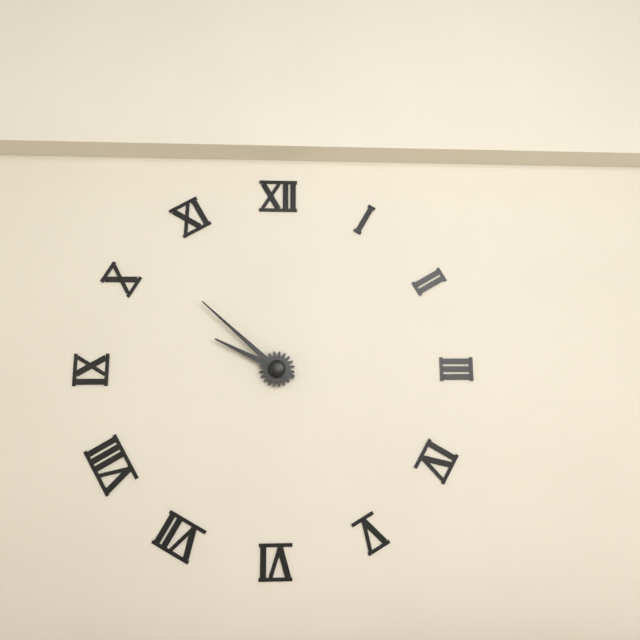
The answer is 9.52
